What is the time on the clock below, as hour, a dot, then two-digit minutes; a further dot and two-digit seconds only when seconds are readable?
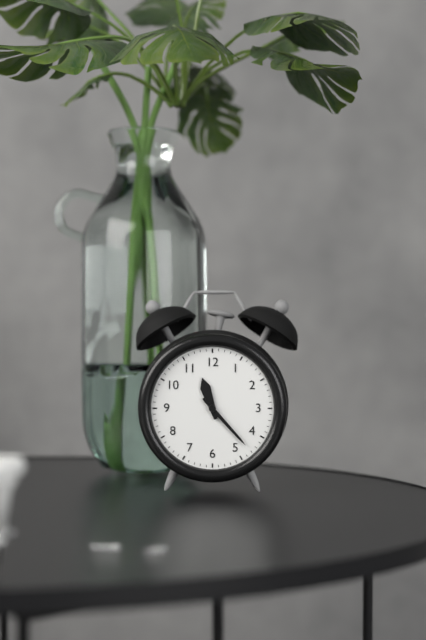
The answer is 11.23
